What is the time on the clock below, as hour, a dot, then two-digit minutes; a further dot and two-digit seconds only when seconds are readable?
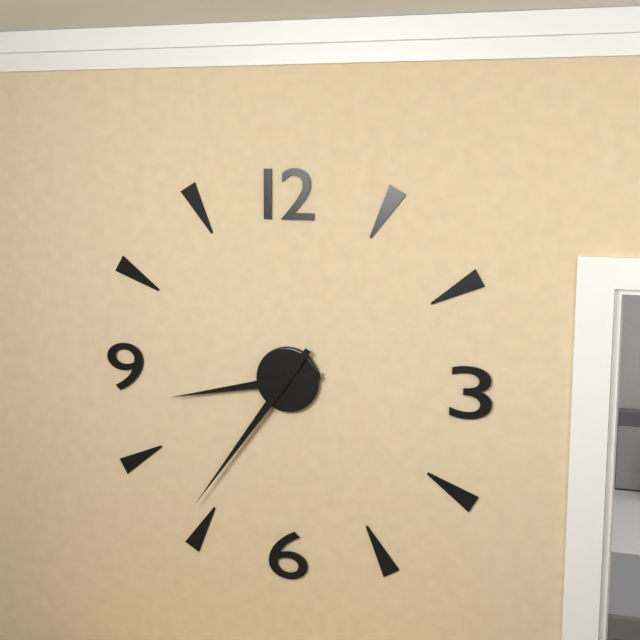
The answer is 8.36
